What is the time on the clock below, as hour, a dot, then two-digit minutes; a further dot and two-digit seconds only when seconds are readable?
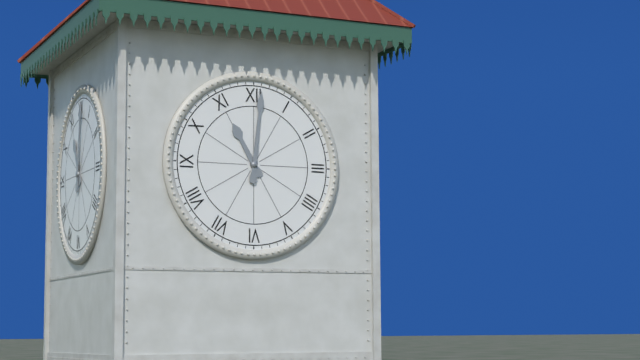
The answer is 11.01
